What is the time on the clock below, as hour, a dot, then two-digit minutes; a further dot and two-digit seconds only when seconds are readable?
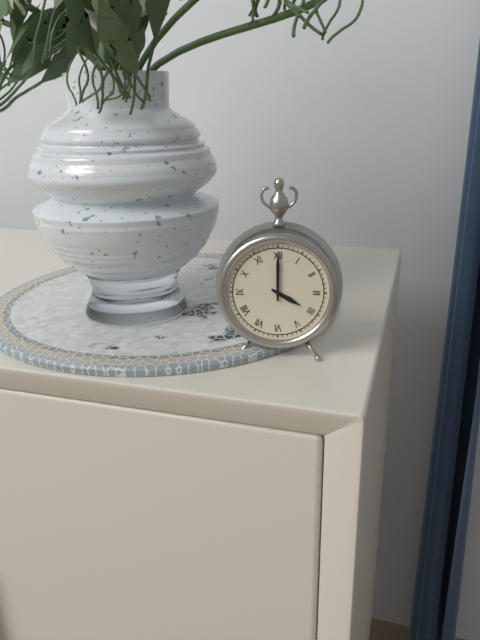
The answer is 4.00
